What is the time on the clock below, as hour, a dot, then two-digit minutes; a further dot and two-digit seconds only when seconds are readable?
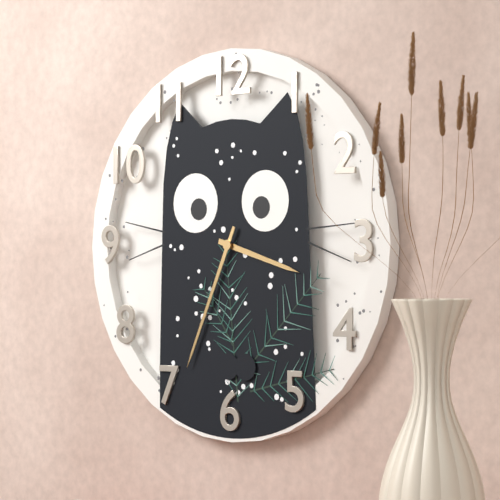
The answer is 3.34
